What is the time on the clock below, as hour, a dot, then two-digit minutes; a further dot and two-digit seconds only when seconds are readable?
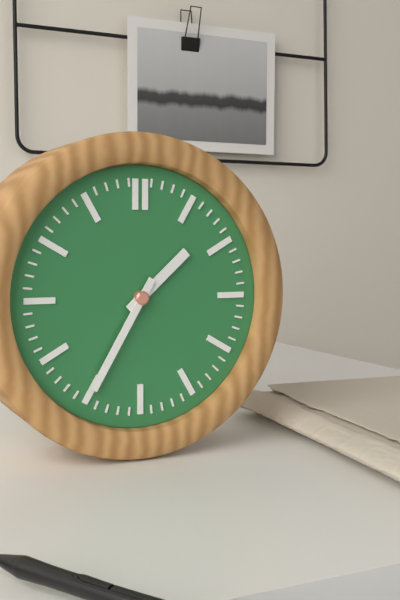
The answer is 1.35
